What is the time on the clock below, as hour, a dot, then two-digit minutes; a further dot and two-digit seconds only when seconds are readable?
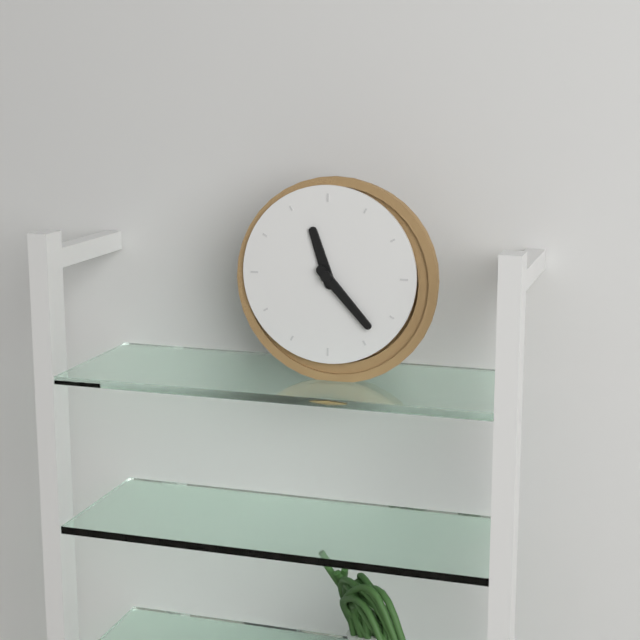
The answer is 11.23
